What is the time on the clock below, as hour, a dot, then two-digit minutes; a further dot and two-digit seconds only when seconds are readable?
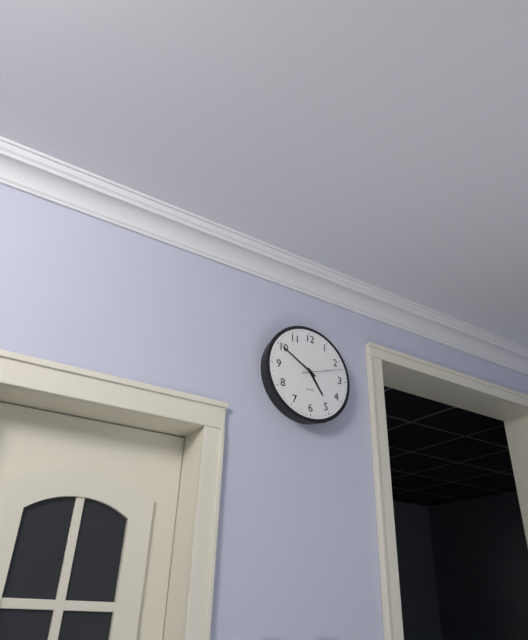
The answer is 4.50
